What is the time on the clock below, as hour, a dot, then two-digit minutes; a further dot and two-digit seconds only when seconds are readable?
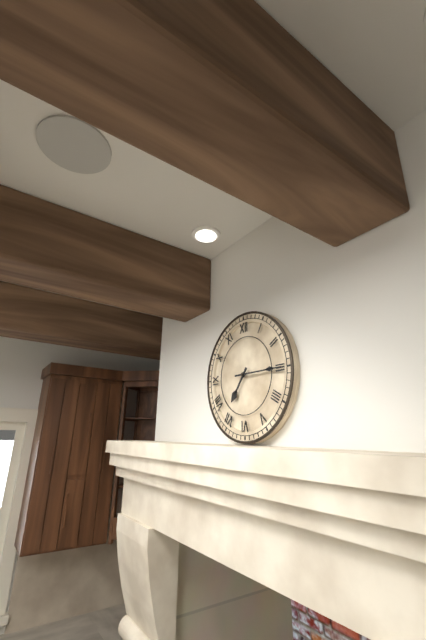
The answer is 7.15
